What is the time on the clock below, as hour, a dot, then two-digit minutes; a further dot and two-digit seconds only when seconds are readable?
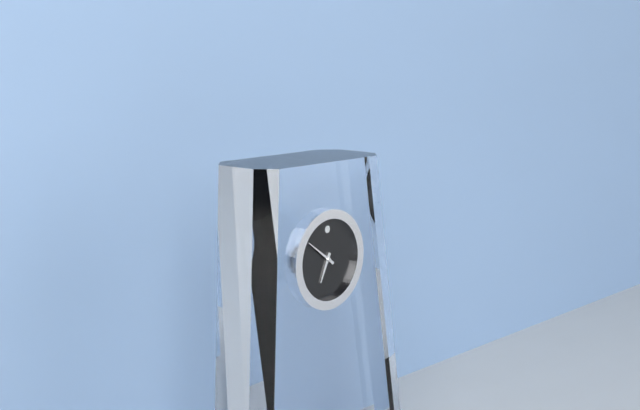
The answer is 6.51
